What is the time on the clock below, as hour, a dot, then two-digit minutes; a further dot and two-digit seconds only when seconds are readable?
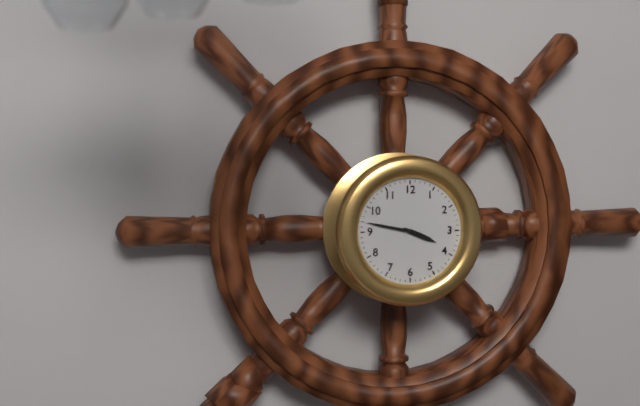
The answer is 3.47
